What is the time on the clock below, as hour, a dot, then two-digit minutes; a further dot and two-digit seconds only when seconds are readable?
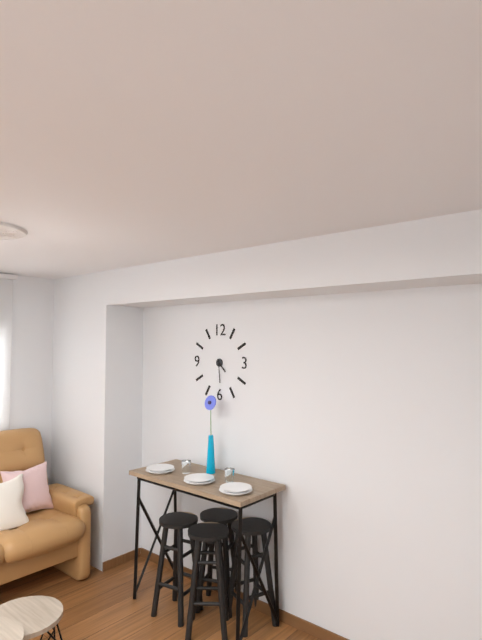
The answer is 4.29
